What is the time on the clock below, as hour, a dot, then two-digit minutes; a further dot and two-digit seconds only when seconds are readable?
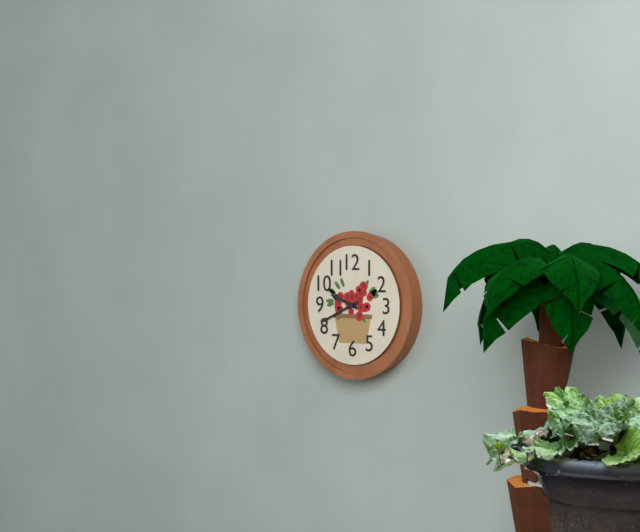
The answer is 9.41
